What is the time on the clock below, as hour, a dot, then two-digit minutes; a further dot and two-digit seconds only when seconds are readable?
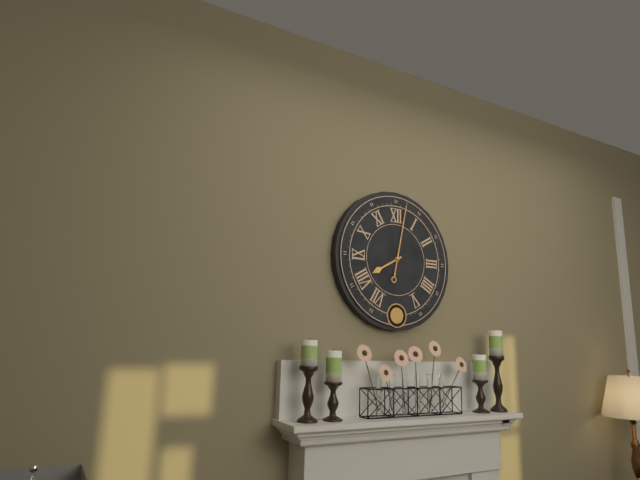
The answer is 8.02
